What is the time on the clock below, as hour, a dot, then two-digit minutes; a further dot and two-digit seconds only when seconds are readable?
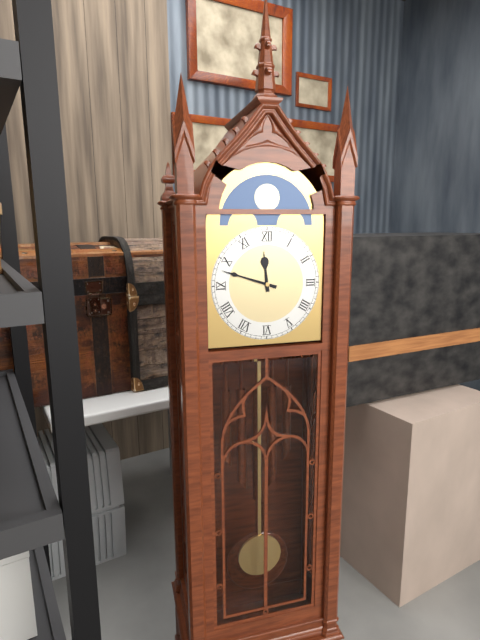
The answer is 11.48
